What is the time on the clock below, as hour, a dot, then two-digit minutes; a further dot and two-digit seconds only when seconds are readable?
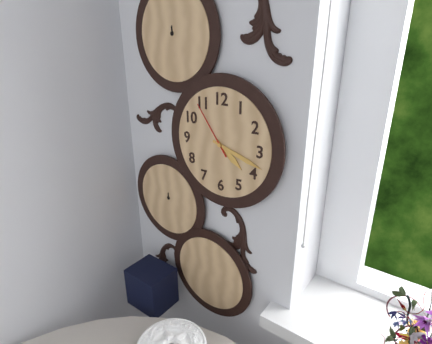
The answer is 4.18.54
